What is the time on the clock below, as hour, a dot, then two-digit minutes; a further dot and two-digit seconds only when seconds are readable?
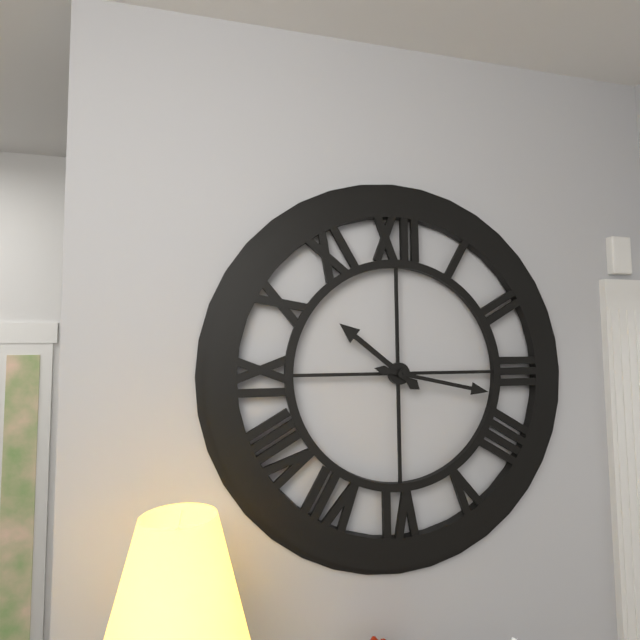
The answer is 10.17
